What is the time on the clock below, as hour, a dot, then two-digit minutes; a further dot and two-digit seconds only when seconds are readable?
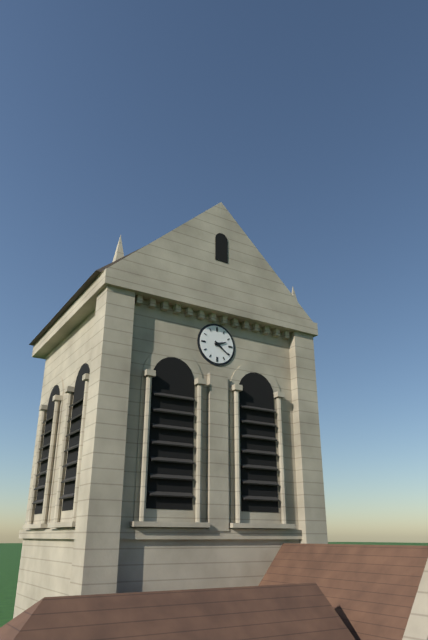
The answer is 2.21
